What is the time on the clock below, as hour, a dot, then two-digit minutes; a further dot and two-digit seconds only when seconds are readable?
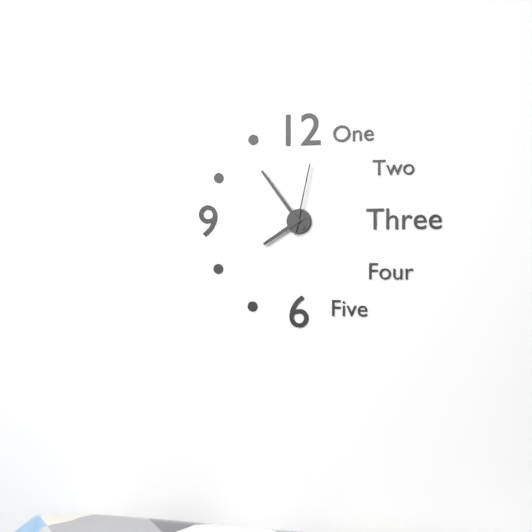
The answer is 7.54.02
